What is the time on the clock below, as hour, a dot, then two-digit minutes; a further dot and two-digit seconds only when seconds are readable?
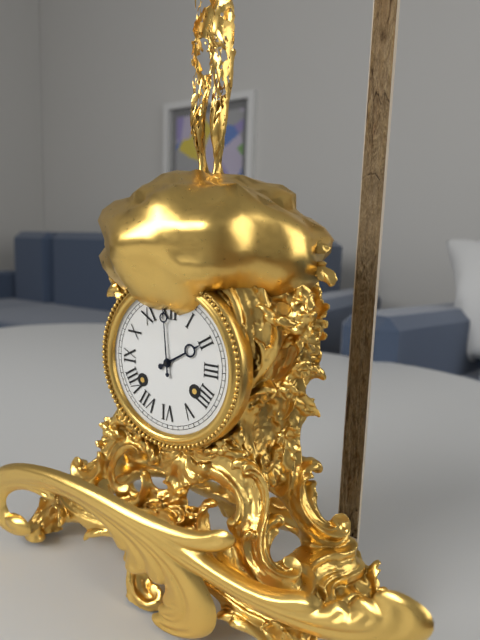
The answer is 1.59
